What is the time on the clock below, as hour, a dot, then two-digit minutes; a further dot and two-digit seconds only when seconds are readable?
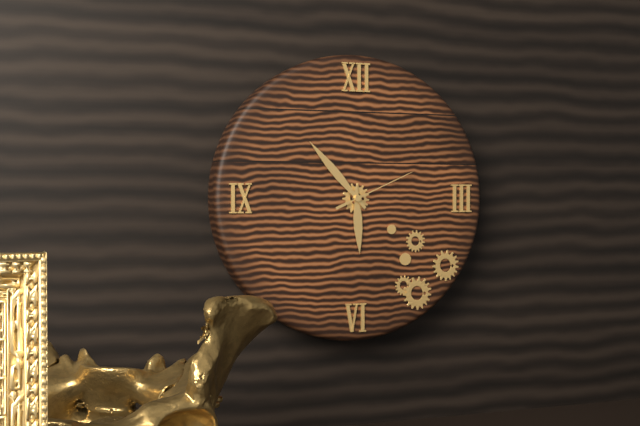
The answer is 5.53.11
